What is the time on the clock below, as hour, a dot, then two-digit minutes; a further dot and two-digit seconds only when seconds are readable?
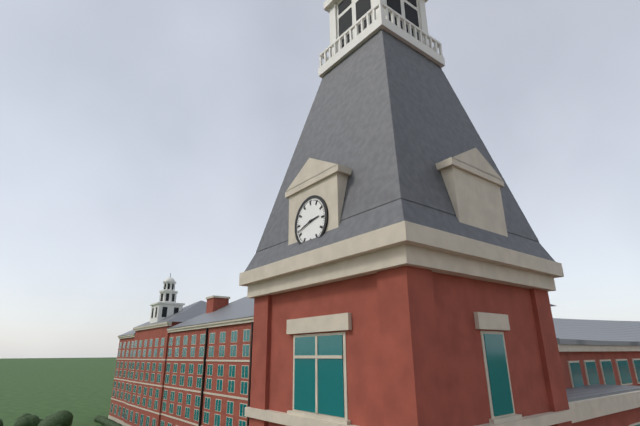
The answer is 2.42
